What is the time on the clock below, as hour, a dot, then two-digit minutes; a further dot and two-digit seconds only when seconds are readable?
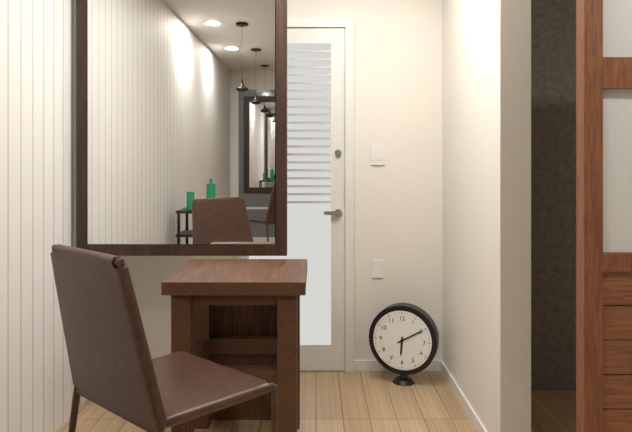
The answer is 6.10
